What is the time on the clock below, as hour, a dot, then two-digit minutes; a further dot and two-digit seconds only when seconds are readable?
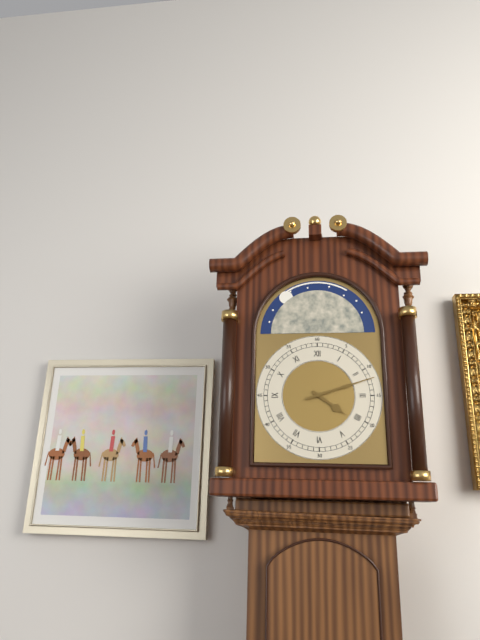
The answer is 4.12
